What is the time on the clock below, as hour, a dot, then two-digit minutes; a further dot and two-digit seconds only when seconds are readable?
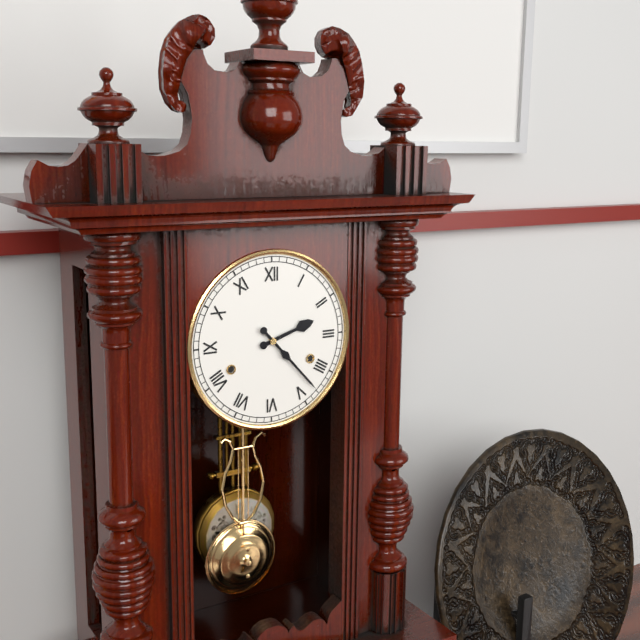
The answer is 2.23
